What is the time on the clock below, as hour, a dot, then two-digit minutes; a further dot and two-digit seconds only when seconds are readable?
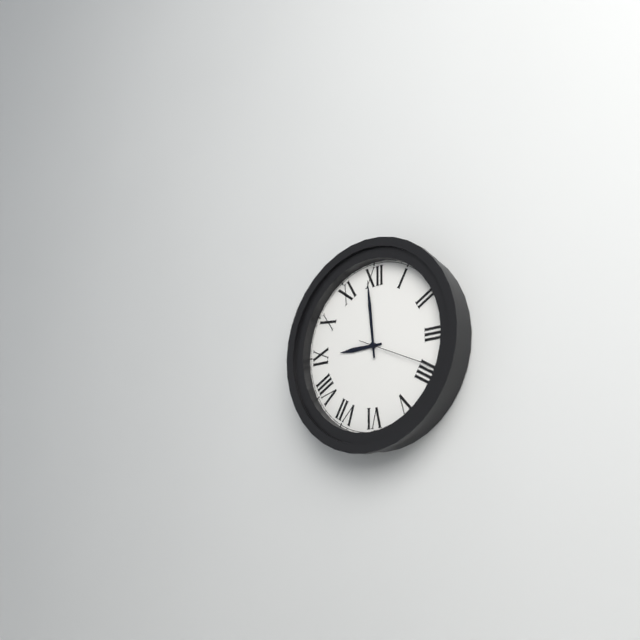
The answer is 8.59.19
